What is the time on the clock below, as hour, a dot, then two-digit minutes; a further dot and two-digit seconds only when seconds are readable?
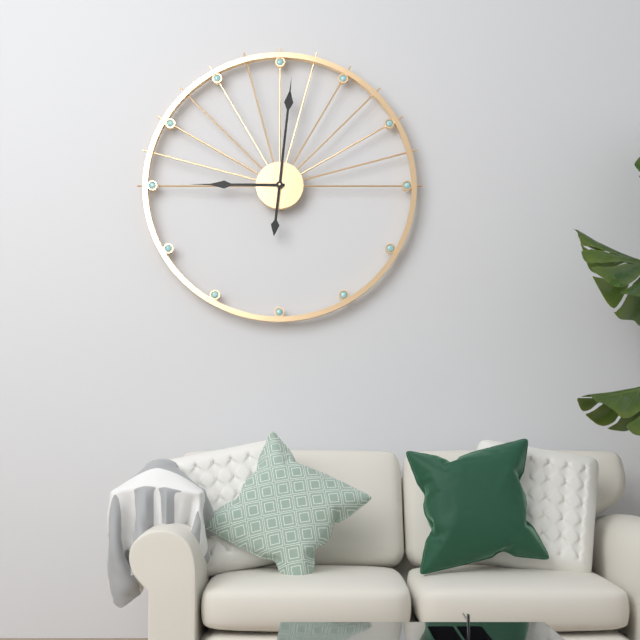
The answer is 9.01
